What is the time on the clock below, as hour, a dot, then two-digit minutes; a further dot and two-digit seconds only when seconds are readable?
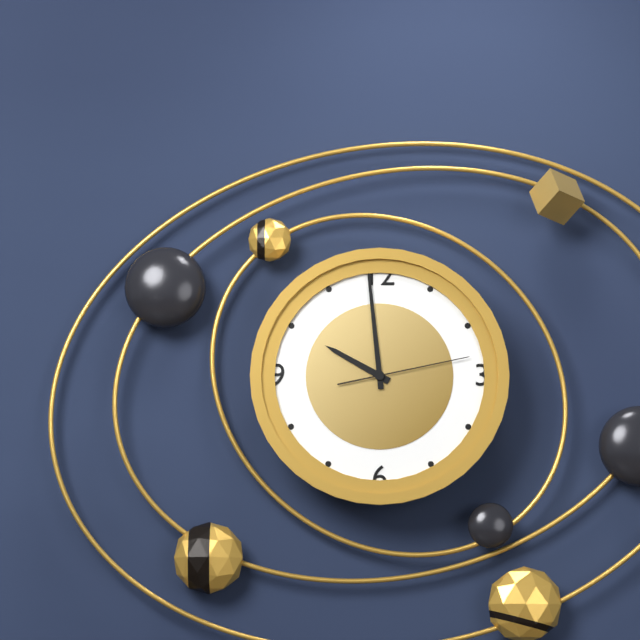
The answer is 9.59.13
